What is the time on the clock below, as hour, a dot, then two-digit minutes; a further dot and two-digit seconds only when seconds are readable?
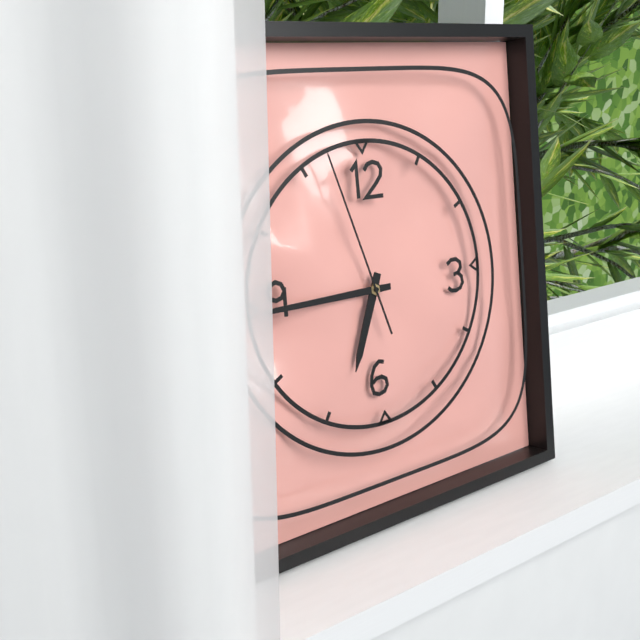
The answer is 6.45.57
